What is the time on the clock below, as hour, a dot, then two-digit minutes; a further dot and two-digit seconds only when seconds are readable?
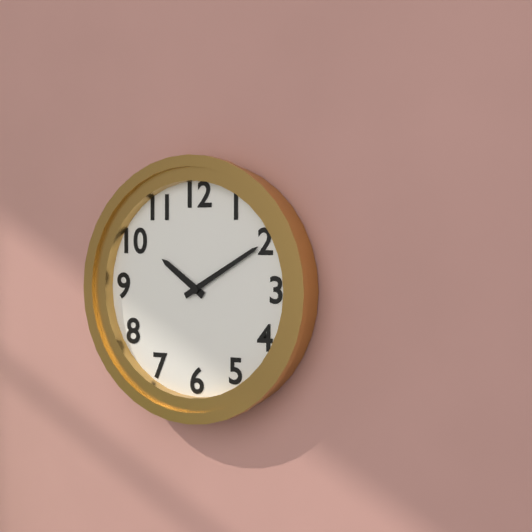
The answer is 10.10
